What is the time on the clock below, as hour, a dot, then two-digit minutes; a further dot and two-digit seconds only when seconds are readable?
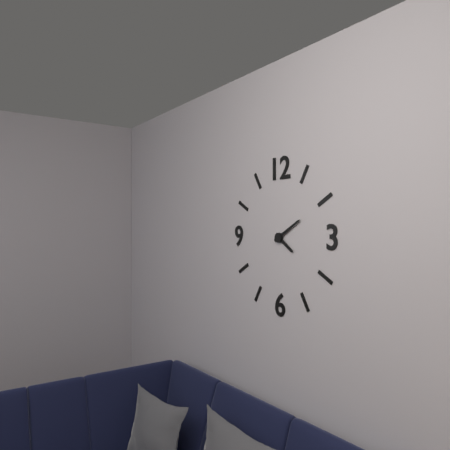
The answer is 4.10
